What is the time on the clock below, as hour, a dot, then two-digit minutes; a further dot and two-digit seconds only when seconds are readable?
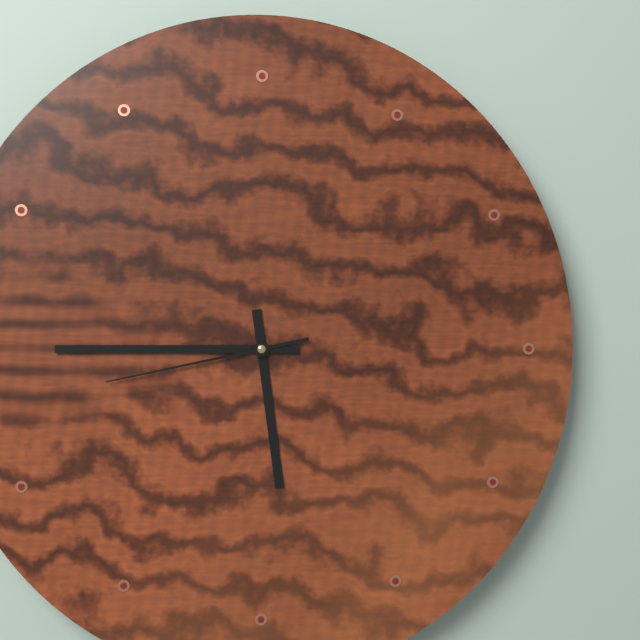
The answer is 5.45.43
